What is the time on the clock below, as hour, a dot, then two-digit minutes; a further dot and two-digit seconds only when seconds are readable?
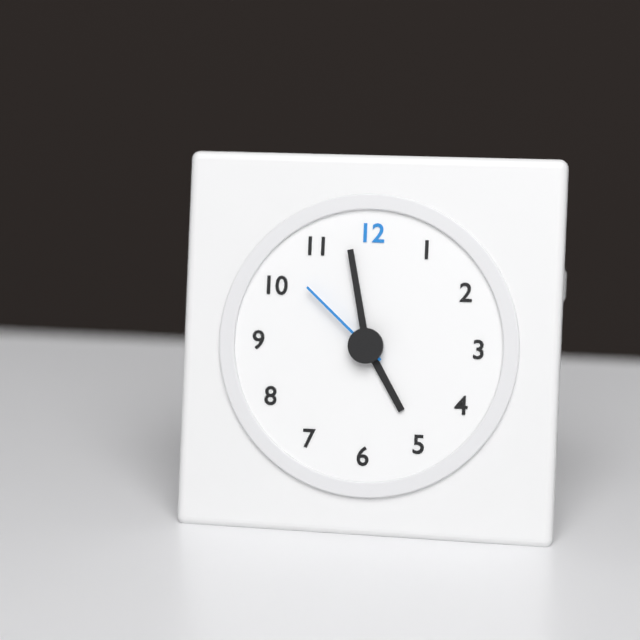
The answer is 4.58.52
